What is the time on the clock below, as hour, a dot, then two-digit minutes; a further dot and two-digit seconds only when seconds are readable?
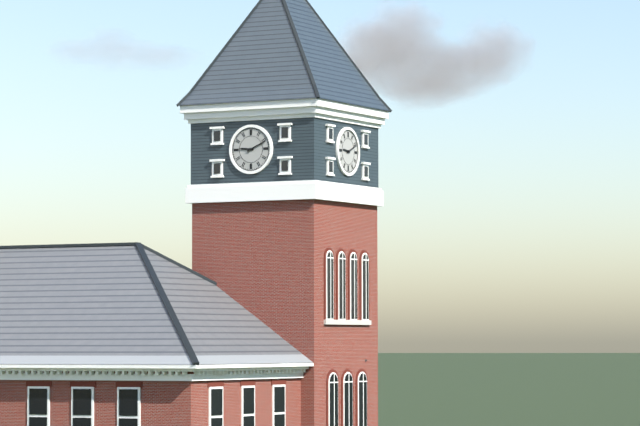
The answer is 9.11
